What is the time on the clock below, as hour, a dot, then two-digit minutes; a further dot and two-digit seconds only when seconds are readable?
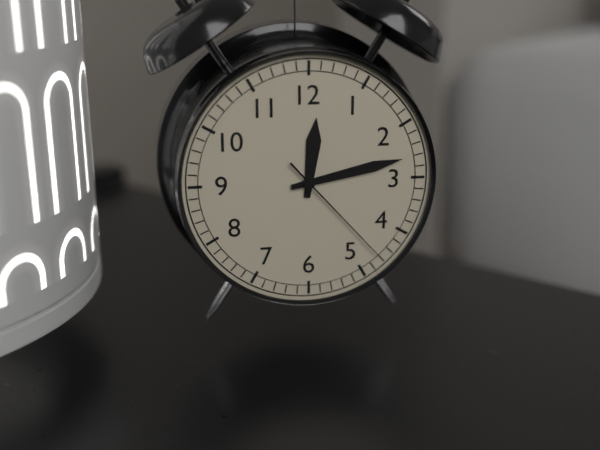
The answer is 12.13.23
